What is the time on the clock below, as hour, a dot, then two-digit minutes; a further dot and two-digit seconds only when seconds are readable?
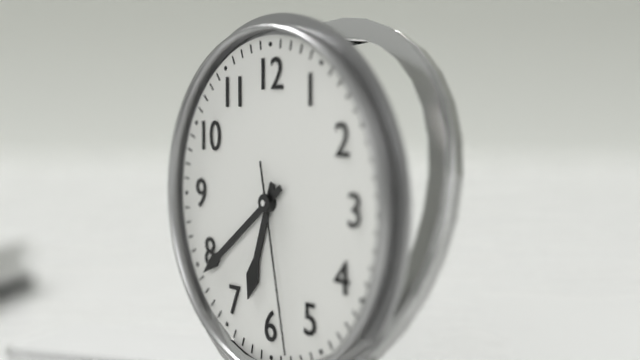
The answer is 6.39.28
